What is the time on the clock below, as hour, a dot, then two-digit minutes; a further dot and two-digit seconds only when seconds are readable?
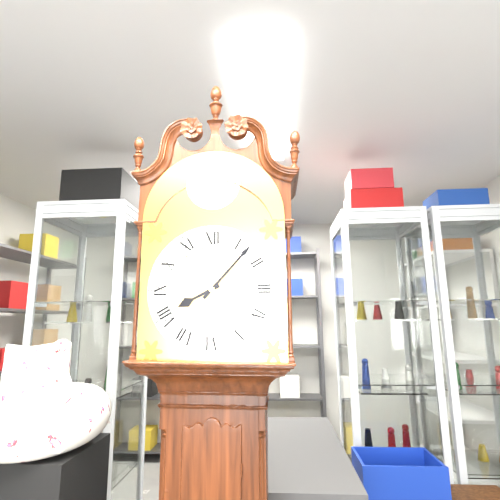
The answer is 8.07
